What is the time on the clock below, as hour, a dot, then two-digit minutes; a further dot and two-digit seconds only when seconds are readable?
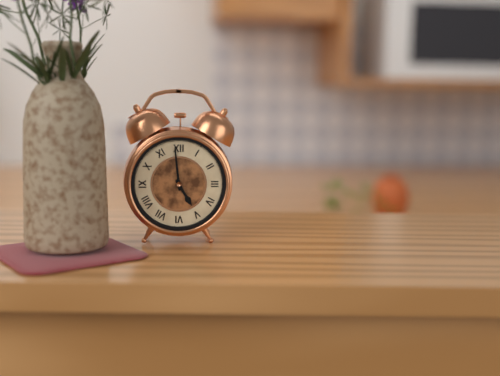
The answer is 4.59
